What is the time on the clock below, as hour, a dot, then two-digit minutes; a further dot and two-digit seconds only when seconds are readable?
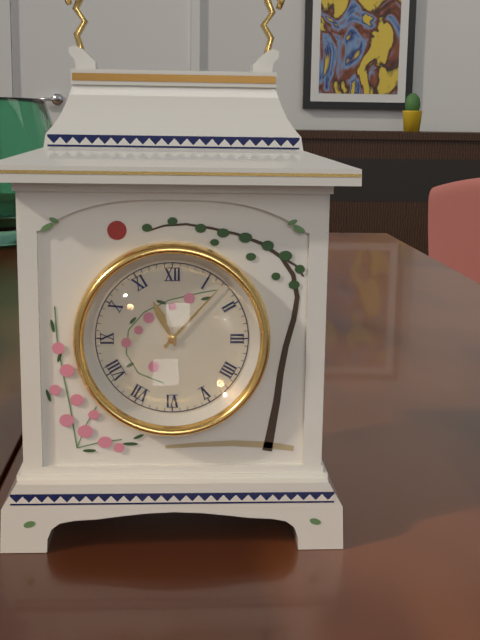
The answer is 11.07
